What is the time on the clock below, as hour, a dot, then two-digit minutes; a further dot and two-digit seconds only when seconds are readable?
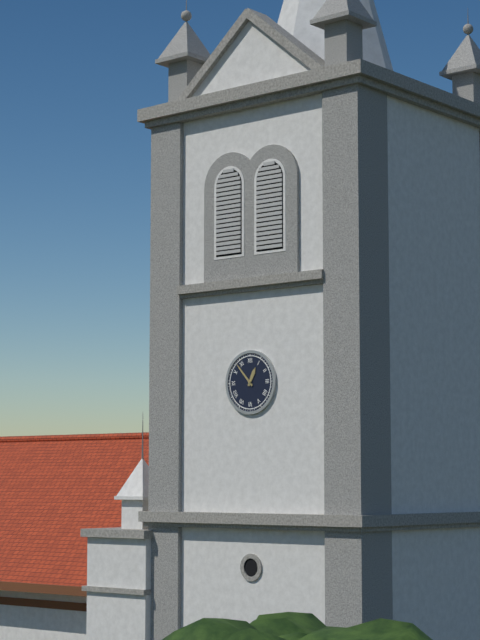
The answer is 12.53
